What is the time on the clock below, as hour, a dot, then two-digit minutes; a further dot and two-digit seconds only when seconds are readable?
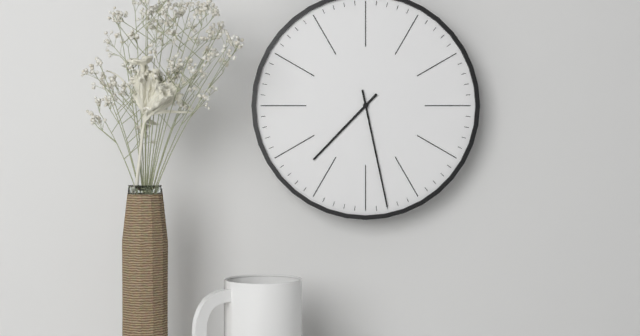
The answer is 7.28
